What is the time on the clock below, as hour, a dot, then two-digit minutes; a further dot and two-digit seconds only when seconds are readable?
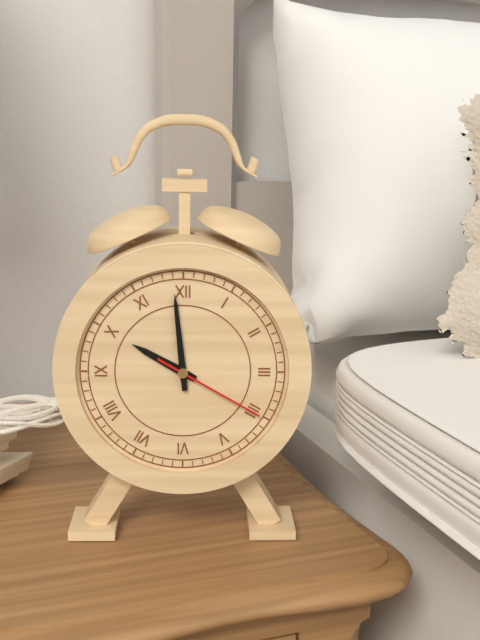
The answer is 9.59.20
